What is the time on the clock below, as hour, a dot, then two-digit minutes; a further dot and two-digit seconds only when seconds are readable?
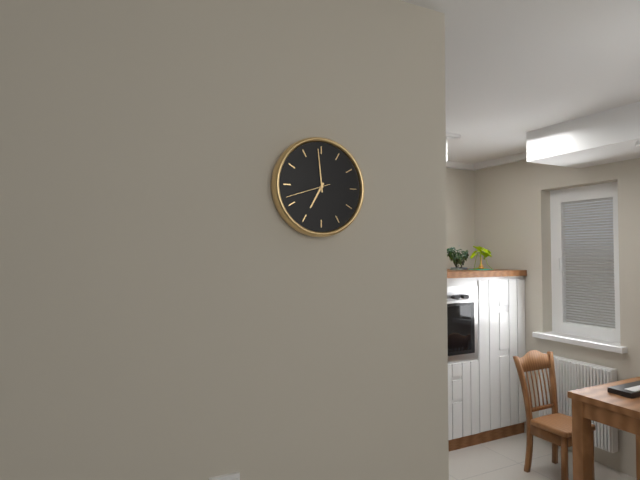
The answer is 6.59
